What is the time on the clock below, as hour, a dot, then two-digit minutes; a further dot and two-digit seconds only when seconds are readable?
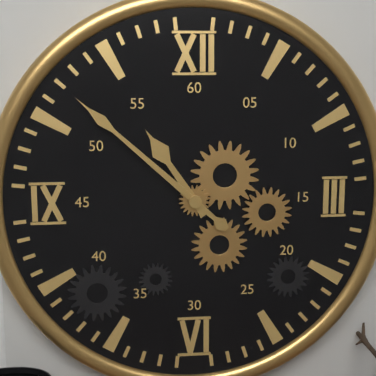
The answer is 10.52
